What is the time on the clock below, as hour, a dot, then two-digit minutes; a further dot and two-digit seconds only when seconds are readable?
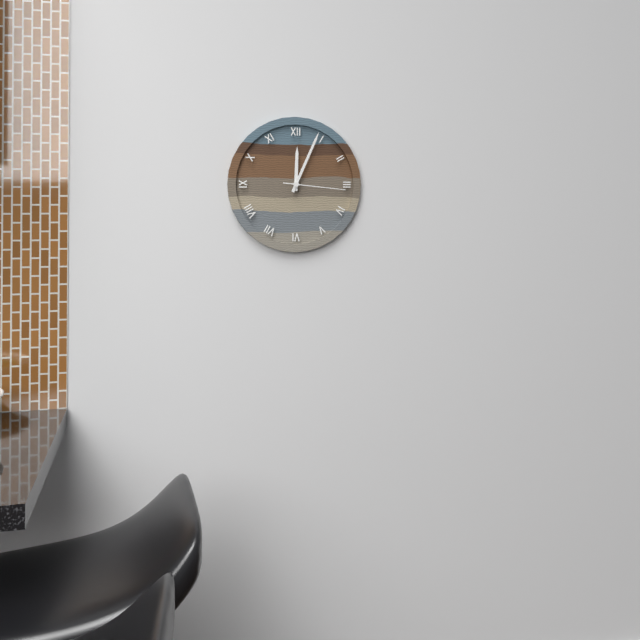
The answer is 12.04.16
